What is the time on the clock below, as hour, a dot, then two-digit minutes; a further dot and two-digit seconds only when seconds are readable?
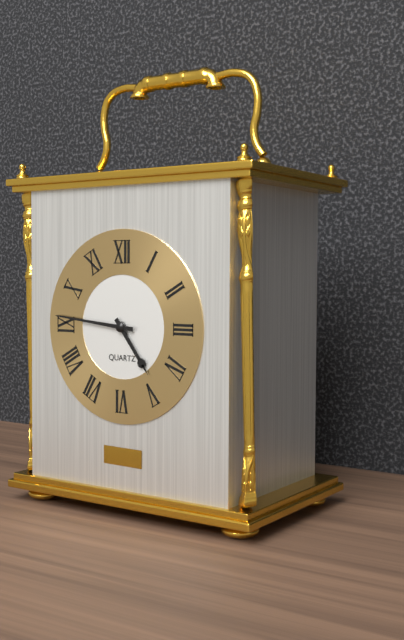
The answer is 4.46
